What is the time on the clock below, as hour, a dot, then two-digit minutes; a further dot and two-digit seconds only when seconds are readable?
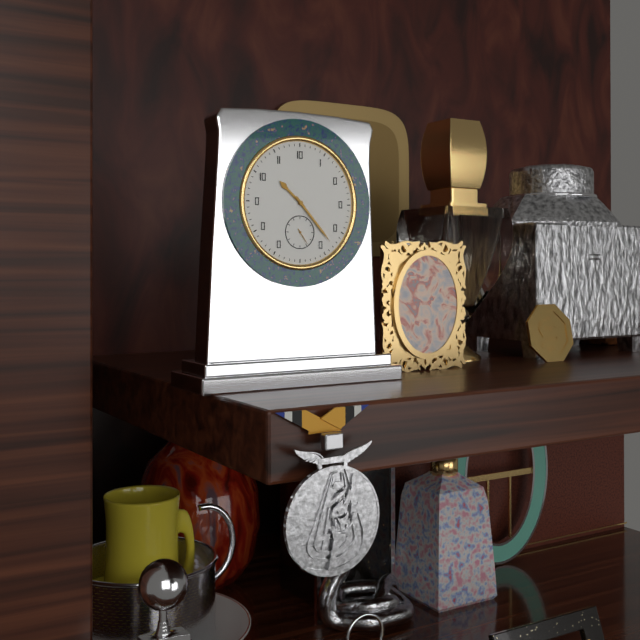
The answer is 10.23
